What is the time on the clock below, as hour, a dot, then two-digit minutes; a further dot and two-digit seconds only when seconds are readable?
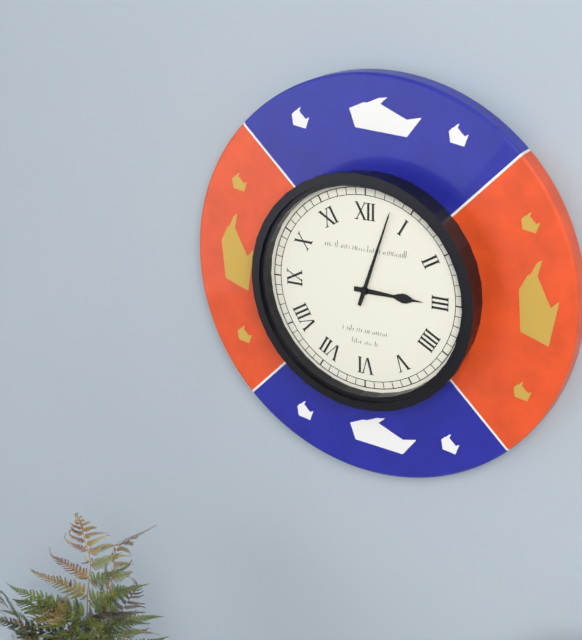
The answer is 3.03
